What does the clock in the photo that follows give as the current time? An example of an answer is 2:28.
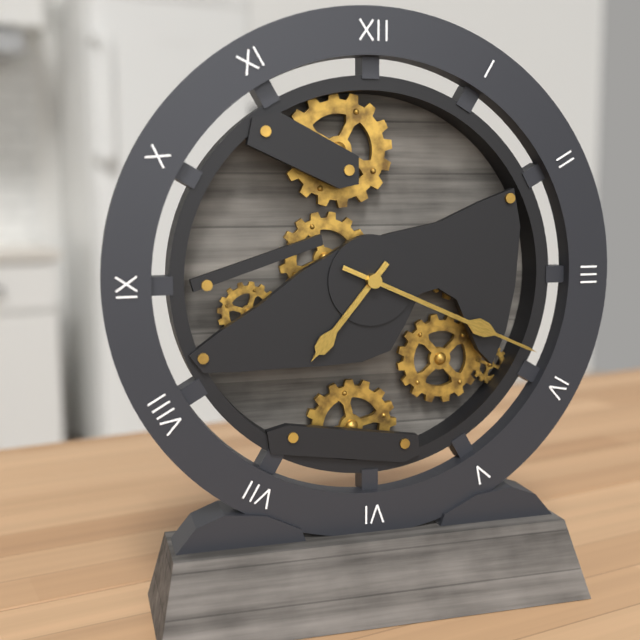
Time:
7:19
